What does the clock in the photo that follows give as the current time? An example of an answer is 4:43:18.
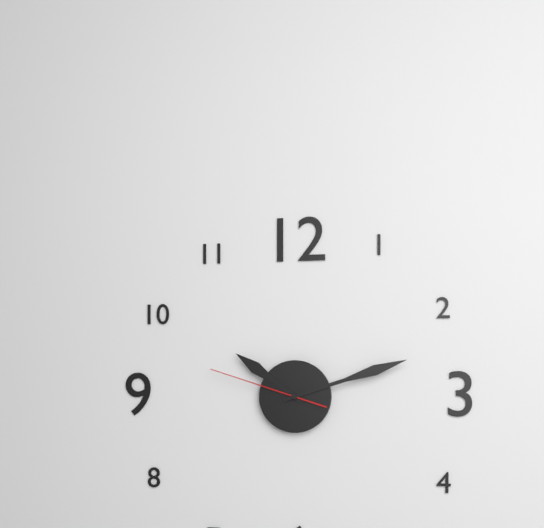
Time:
10:12:48
